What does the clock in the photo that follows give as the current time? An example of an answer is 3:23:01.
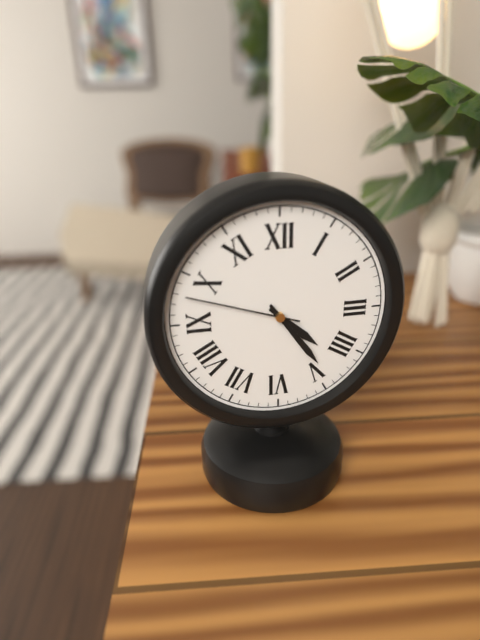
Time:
4:24:48
